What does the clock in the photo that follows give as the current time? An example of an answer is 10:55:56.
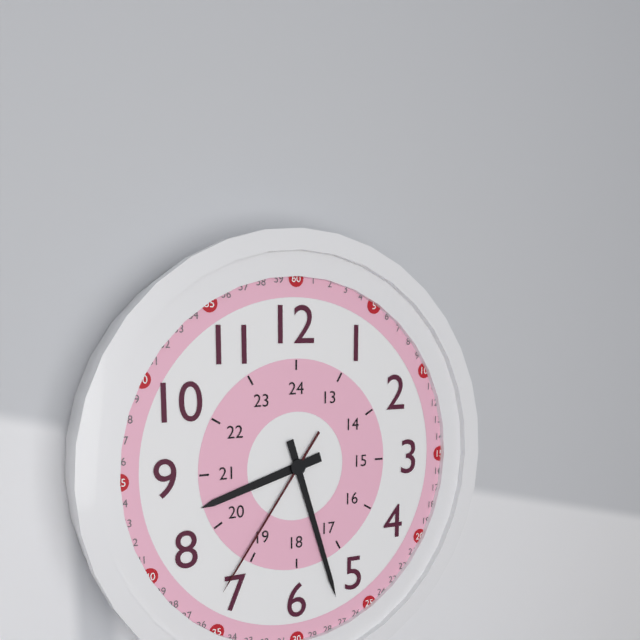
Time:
8:27:36
